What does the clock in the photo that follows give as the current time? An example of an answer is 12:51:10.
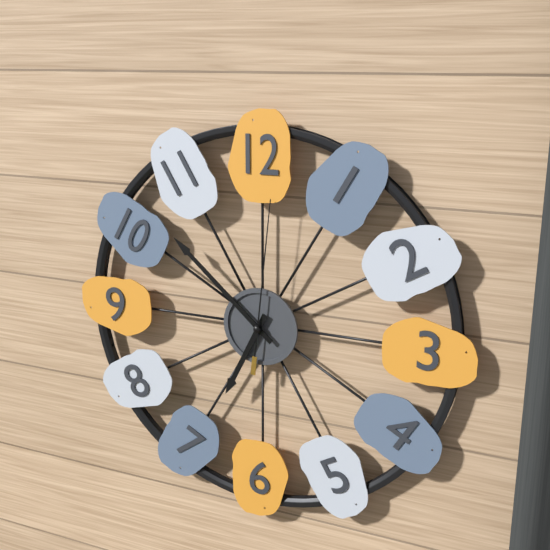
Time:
6:52:01
